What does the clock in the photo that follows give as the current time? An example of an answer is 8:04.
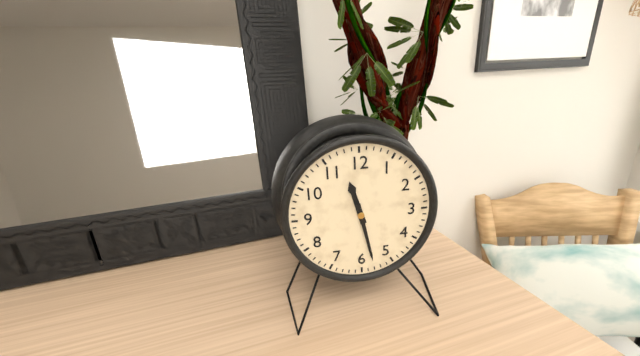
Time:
11:28
